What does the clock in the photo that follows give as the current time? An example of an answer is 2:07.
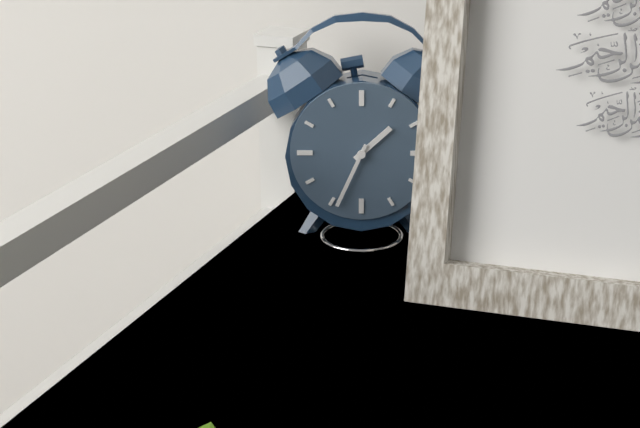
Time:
1:34
